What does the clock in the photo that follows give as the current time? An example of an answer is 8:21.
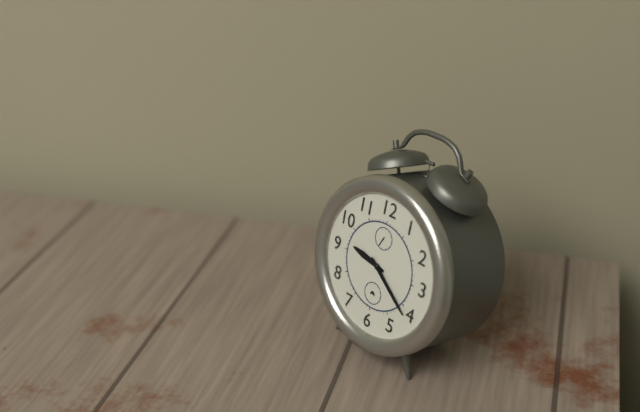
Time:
9:21
